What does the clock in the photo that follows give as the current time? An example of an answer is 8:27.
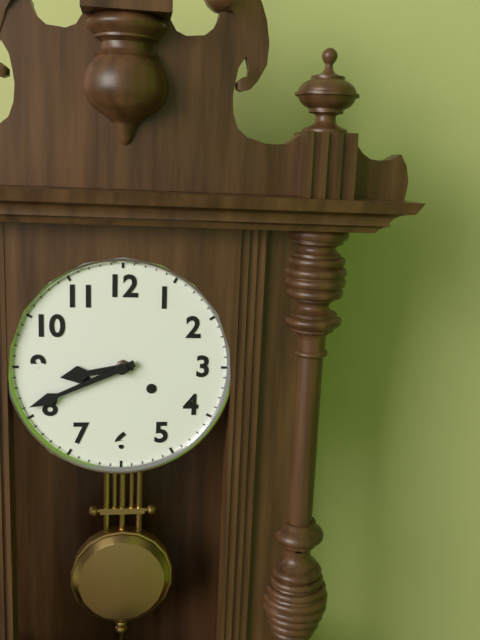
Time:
8:41
